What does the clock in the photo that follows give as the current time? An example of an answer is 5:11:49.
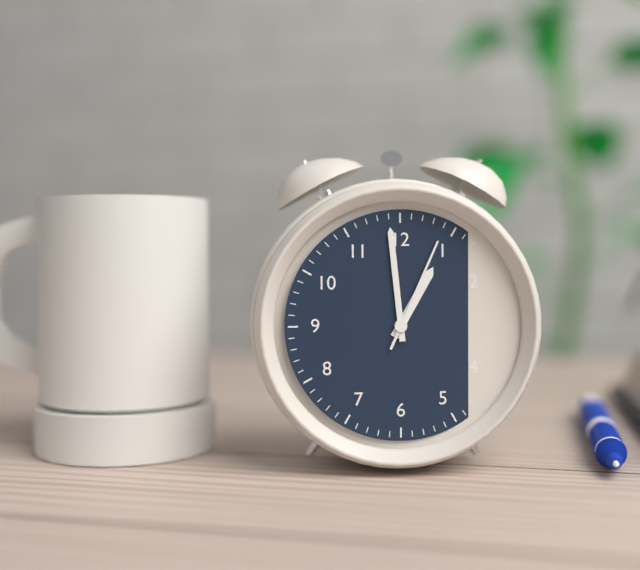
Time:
12:59:04
